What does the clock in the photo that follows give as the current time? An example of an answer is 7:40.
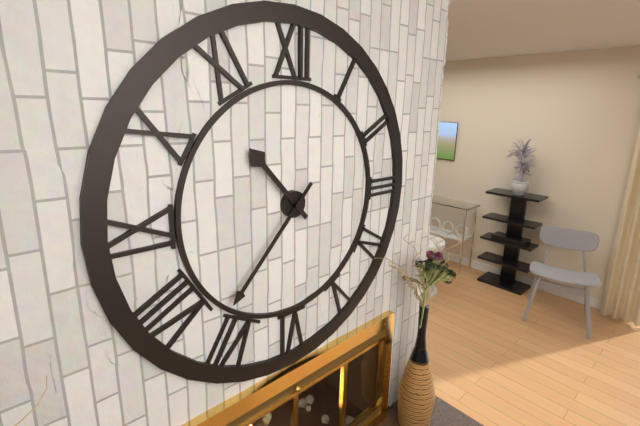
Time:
10:37
